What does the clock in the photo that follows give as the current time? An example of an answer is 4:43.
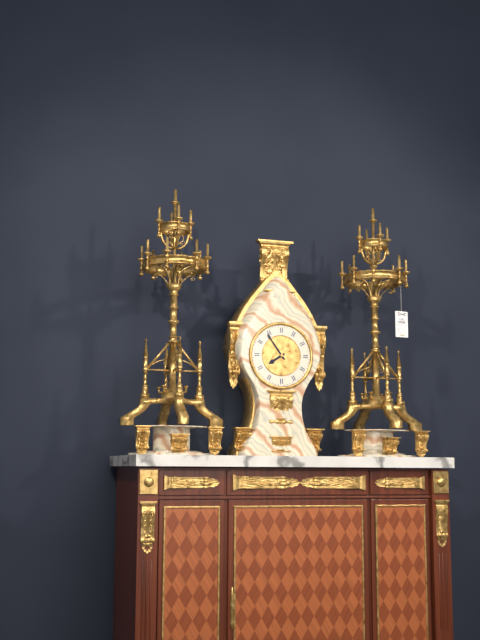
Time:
7:54
